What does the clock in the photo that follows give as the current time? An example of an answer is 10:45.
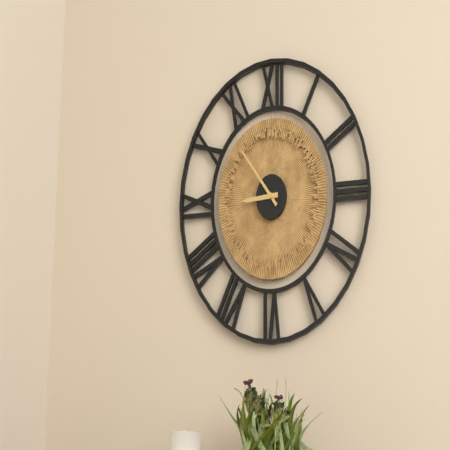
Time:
8:53
